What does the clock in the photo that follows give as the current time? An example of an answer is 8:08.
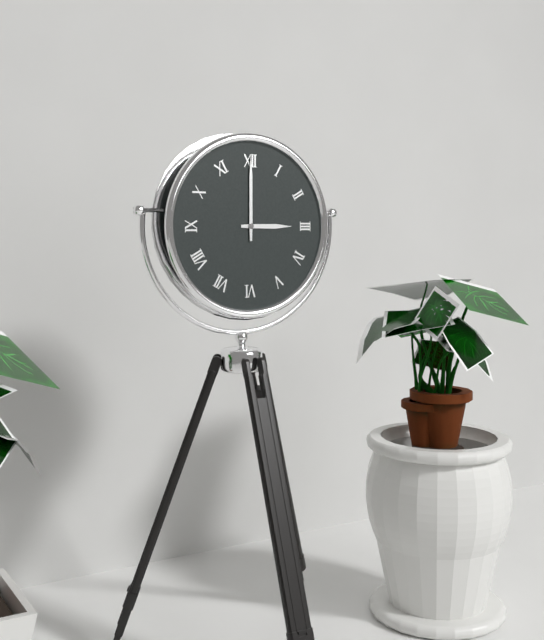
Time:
3:00
